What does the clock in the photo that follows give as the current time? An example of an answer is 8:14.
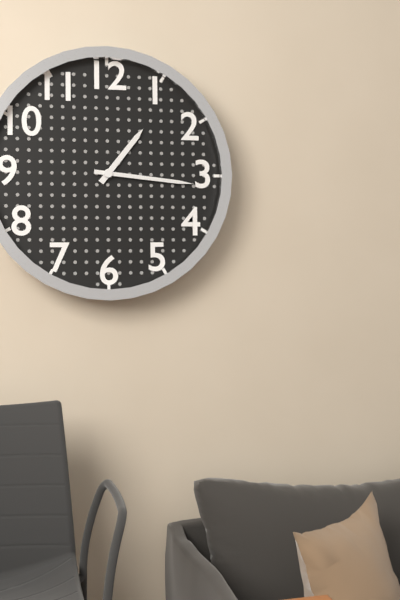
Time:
1:16
